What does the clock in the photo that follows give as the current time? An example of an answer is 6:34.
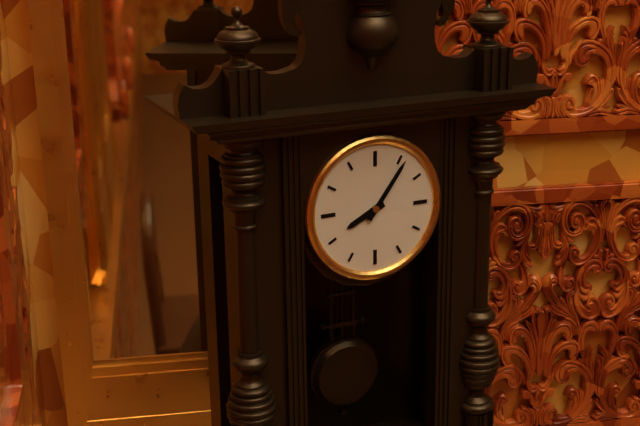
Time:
8:06
